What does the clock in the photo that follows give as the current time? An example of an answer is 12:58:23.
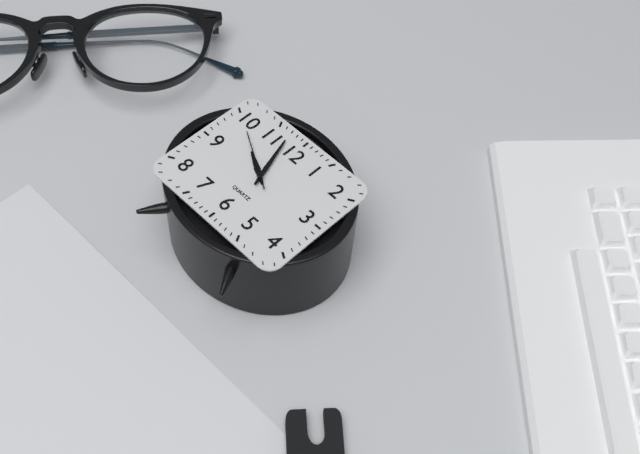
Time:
9:57:50
